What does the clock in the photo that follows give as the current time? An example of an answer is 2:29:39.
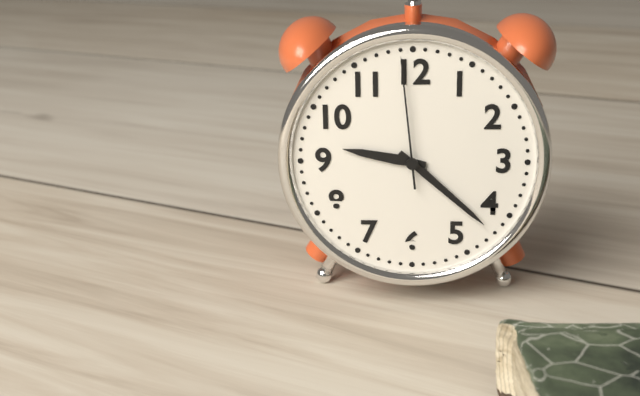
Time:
9:22:59
